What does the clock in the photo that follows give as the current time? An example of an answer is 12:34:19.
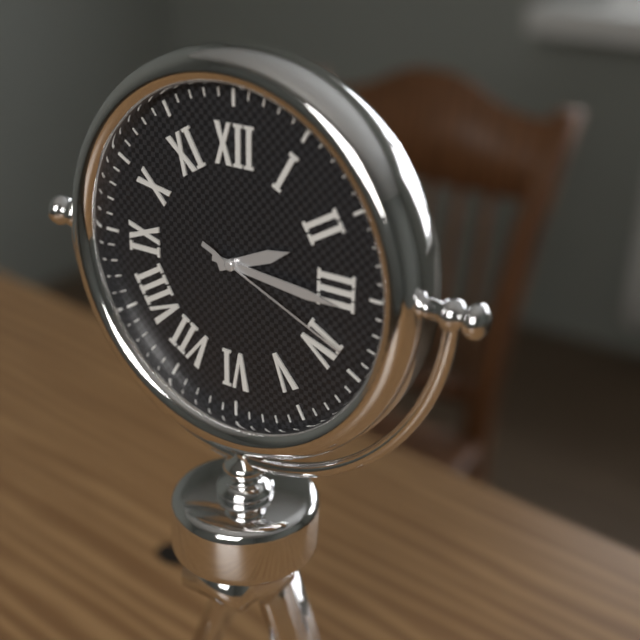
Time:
2:16:19
